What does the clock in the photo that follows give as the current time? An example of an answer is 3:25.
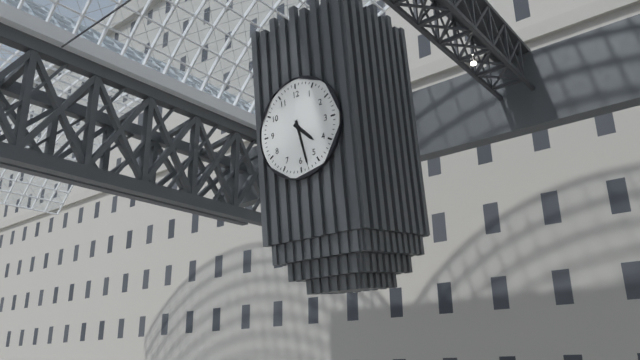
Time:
4:28
